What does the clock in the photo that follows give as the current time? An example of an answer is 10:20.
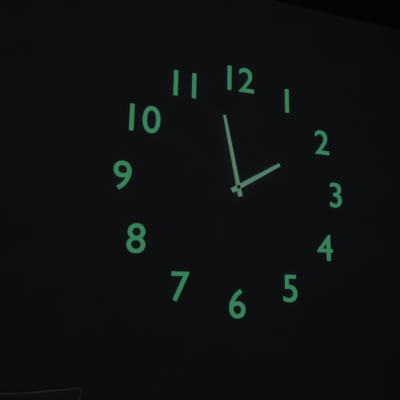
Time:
1:58
